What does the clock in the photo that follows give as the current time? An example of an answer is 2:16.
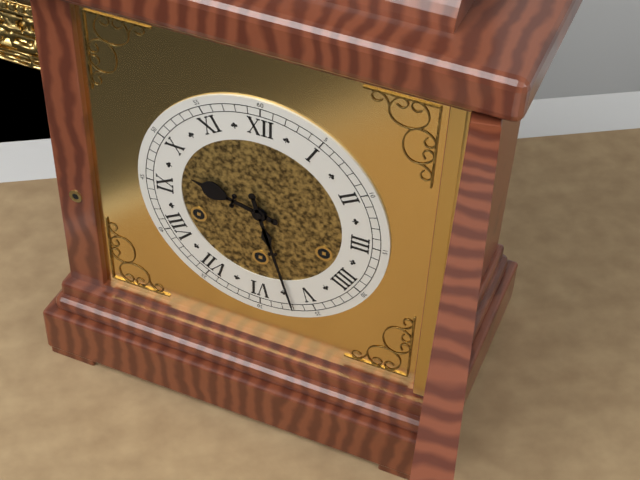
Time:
9:27
